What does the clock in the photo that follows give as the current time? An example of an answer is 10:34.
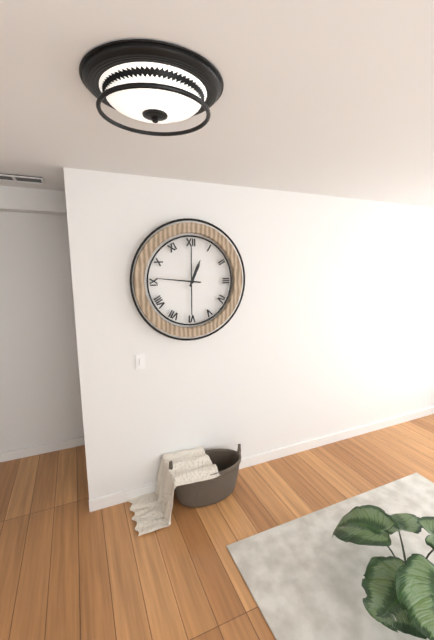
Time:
12:46
